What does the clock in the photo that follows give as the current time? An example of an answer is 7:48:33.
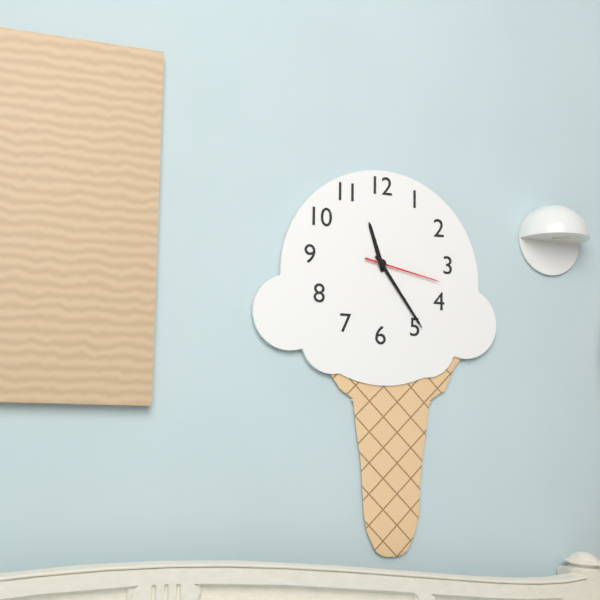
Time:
11:24:17
